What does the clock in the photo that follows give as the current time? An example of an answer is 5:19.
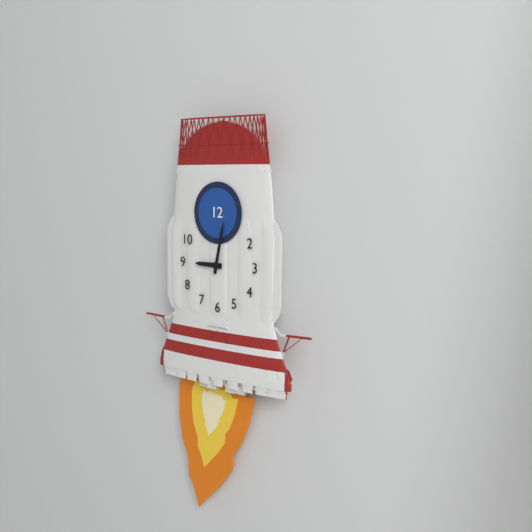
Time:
9:02
